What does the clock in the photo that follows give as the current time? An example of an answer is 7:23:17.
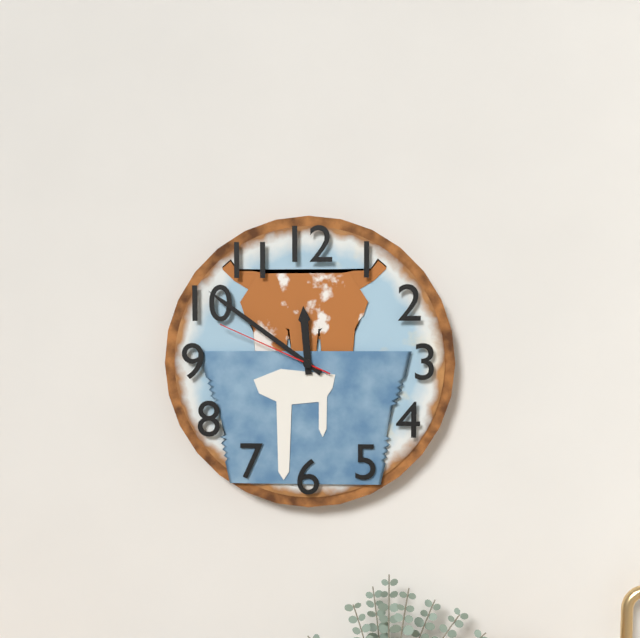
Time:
11:51:49
